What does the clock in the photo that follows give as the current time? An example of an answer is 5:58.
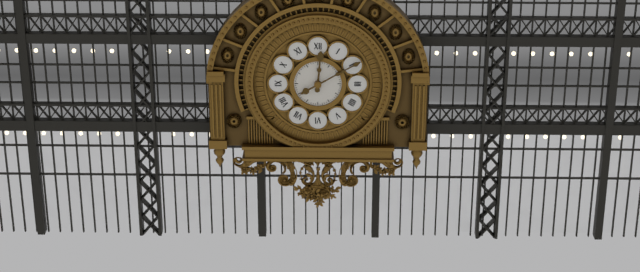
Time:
12:10
